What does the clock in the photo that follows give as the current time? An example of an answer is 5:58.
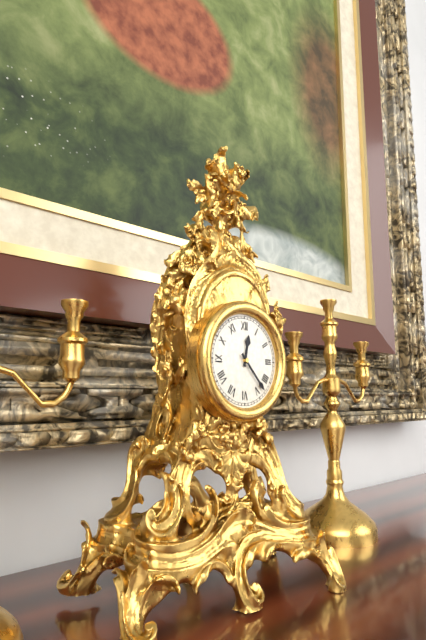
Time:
12:23
